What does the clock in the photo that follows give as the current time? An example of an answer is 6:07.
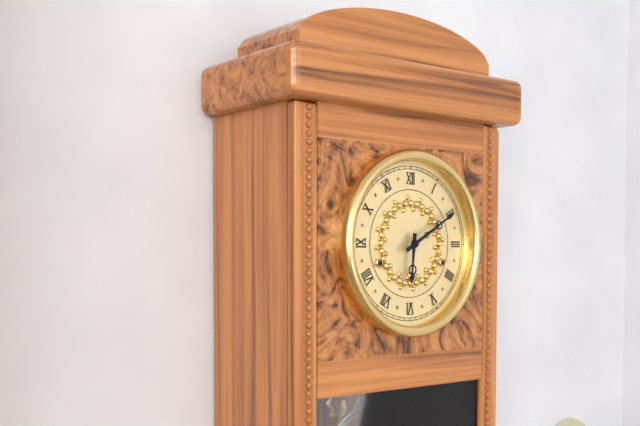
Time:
6:10
